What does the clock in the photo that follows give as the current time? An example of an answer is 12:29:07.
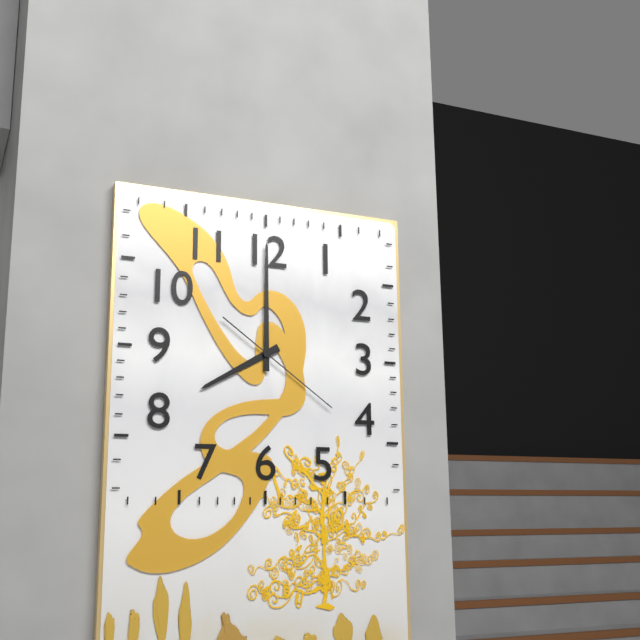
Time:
8:00:21
